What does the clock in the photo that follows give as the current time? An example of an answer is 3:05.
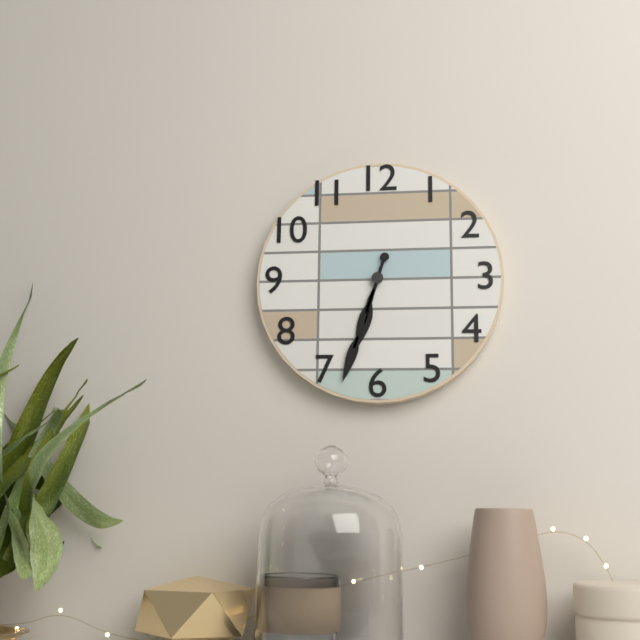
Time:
6:33
